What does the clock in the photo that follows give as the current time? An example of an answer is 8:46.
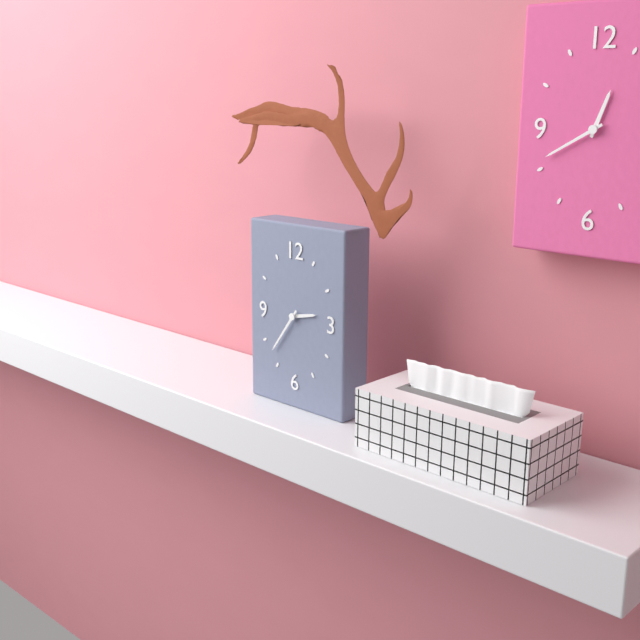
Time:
2:36
